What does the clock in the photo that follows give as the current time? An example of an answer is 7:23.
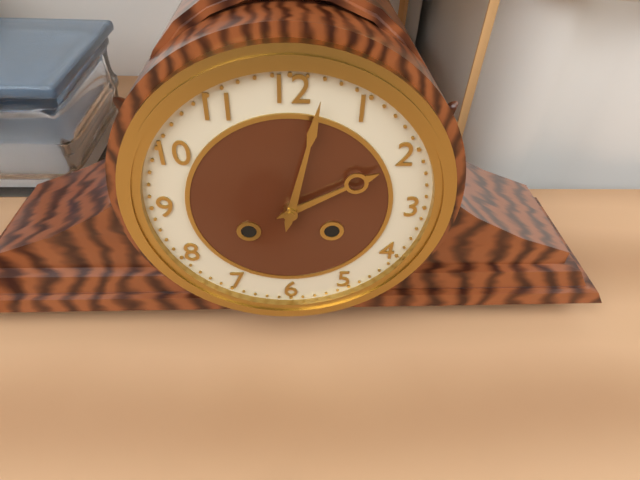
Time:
2:02
